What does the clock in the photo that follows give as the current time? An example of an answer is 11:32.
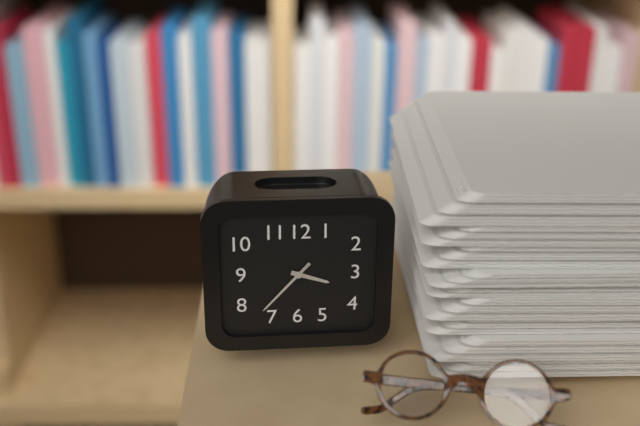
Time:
3:37
